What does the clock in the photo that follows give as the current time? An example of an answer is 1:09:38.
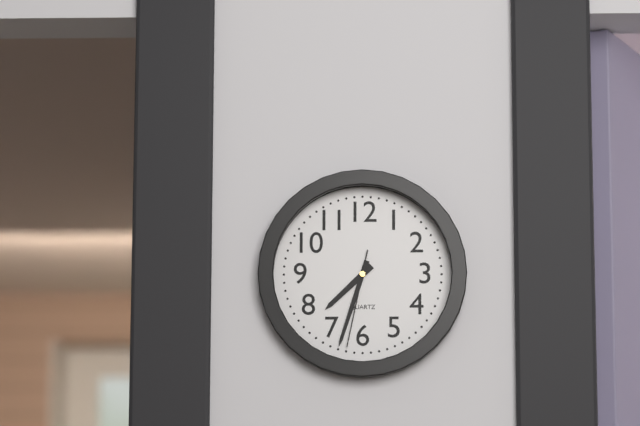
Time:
7:33:32
